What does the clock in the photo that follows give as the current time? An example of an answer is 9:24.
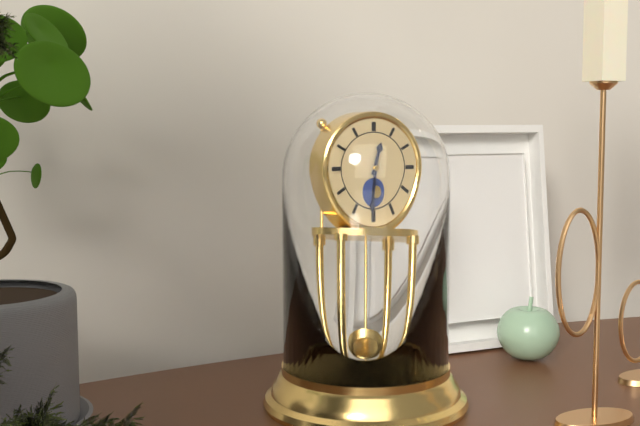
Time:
12:31
